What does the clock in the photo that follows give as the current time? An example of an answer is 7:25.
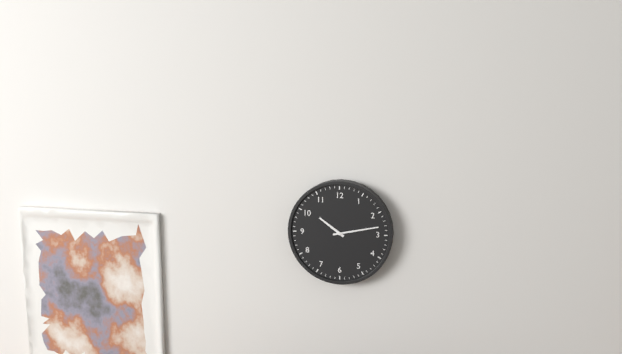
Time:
10:13
